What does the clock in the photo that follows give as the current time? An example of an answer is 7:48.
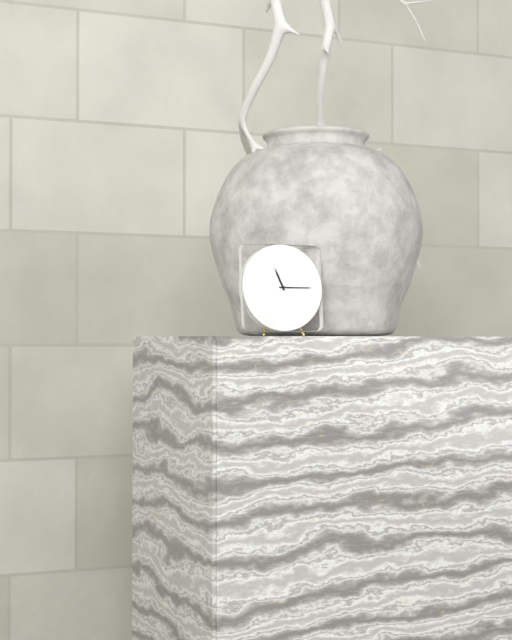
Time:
11:15
